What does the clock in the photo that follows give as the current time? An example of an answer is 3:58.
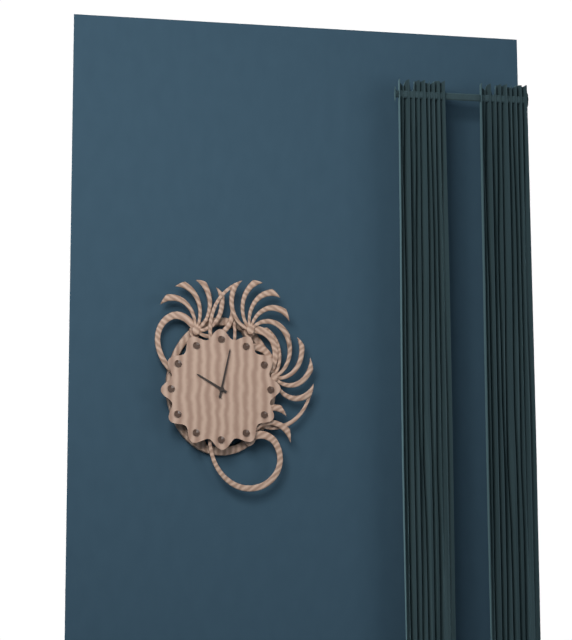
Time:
10:02
